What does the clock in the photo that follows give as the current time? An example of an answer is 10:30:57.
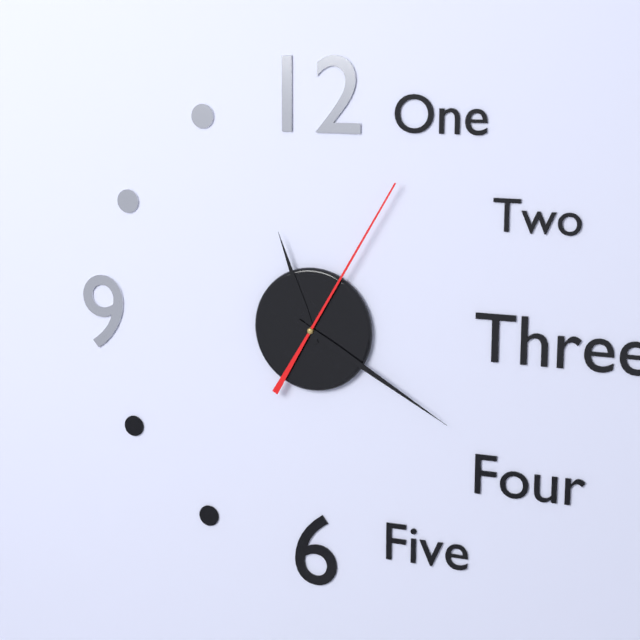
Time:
11:20:05
